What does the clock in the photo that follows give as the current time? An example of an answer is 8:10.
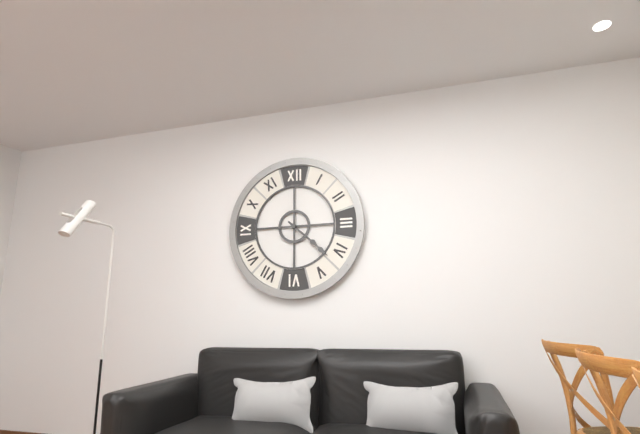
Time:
4:22
